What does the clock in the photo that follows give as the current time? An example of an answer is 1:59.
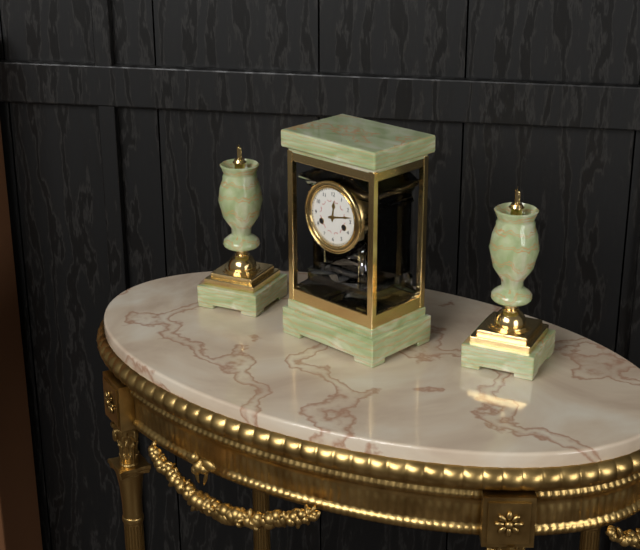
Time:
12:13
